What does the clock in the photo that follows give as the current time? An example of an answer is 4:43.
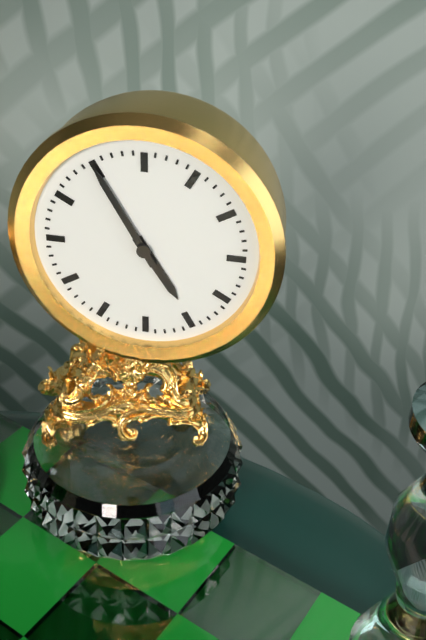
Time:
4:55
